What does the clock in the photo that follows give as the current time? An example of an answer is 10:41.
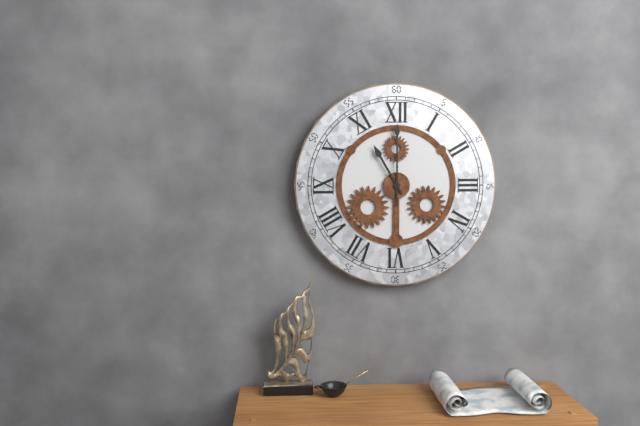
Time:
11:00
